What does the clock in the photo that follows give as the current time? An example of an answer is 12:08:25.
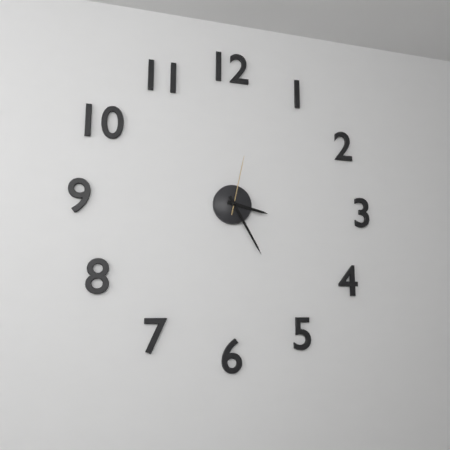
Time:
3:25:02
